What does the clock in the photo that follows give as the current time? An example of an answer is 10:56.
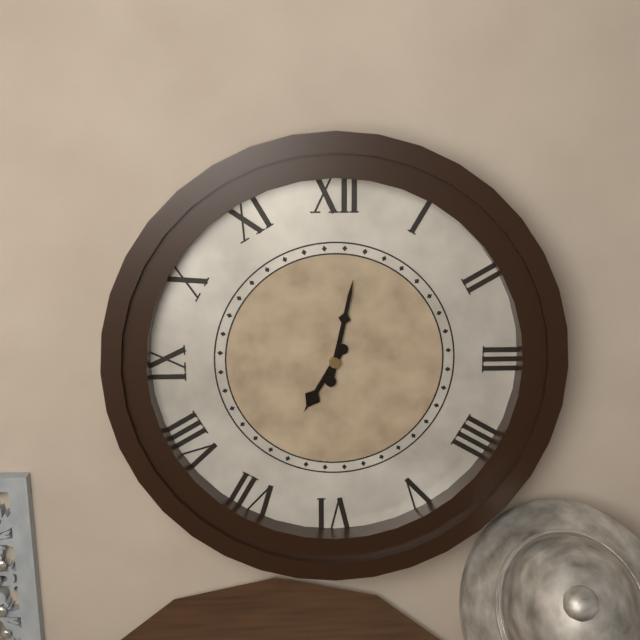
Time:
7:02
